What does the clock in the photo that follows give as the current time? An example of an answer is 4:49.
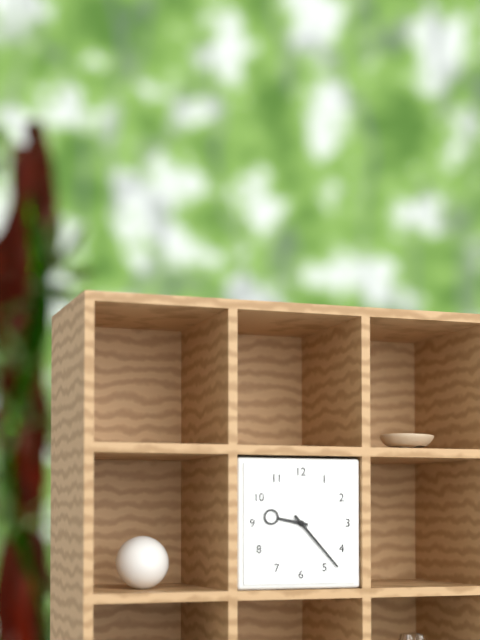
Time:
9:23
